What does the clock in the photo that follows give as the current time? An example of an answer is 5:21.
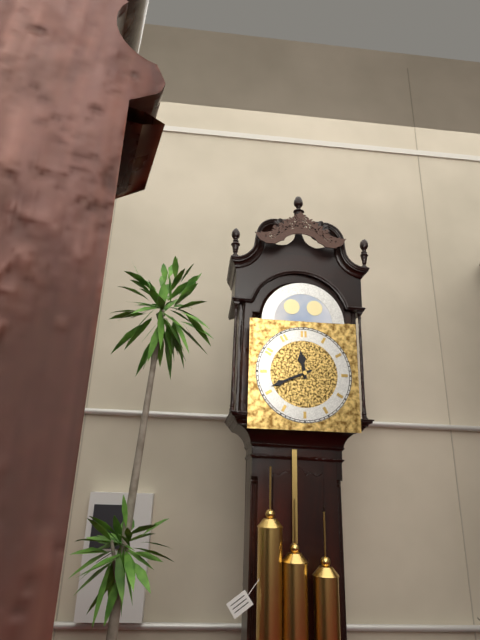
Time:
11:41
